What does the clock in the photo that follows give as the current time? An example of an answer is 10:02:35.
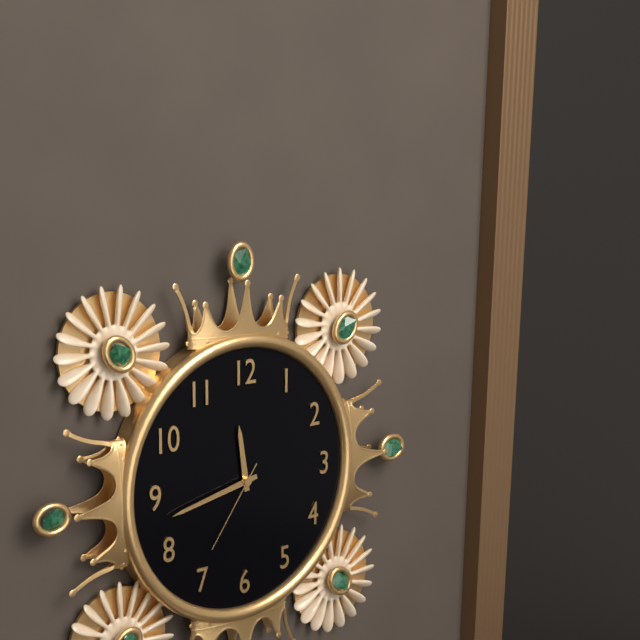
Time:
11:43:36
